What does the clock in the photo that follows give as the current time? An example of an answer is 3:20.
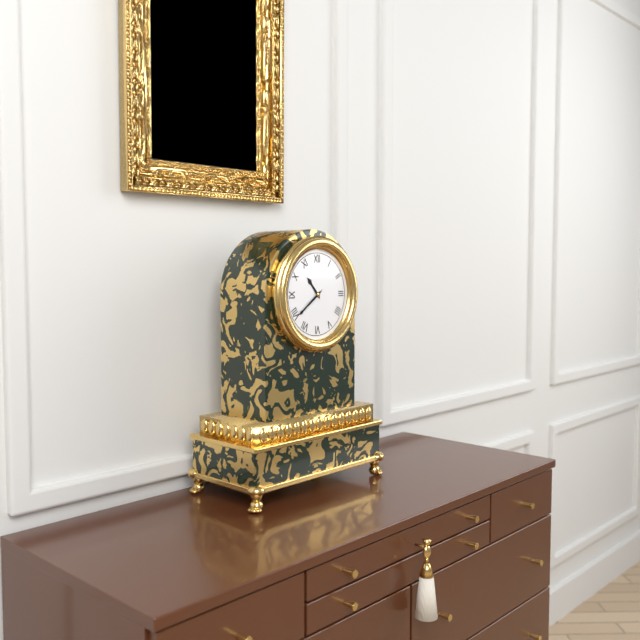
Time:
10:39
